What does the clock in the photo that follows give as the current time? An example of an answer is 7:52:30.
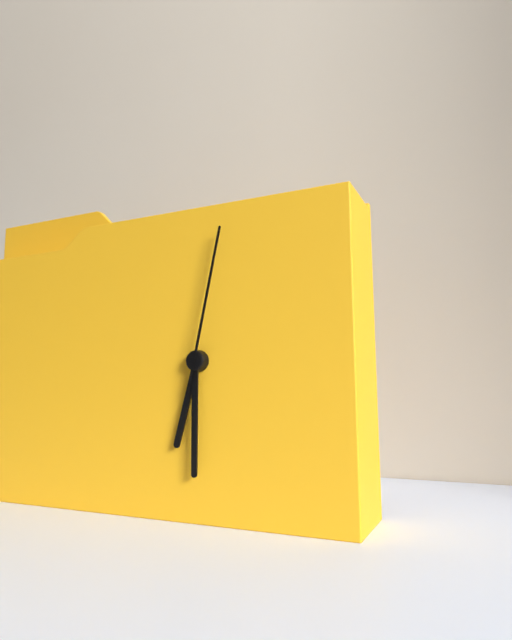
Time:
6:30:02
